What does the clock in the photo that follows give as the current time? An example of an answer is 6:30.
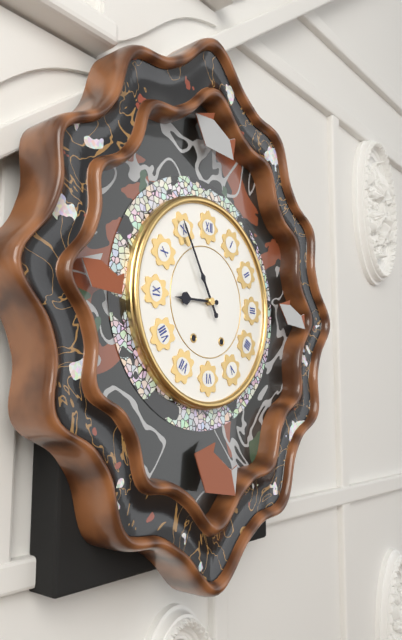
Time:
8:55
